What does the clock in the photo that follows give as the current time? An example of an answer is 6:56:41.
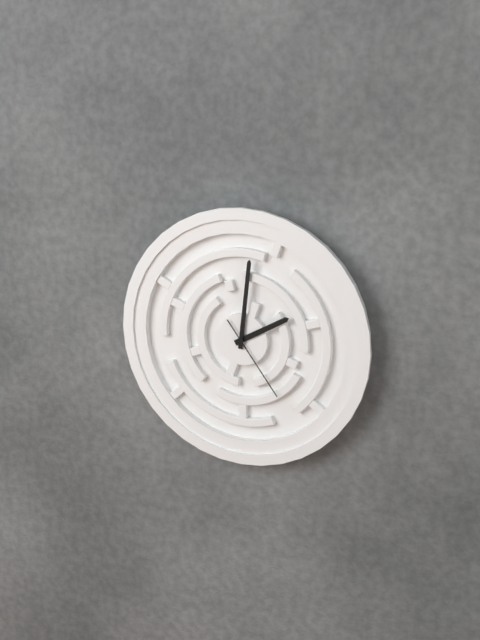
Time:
2:01:24
